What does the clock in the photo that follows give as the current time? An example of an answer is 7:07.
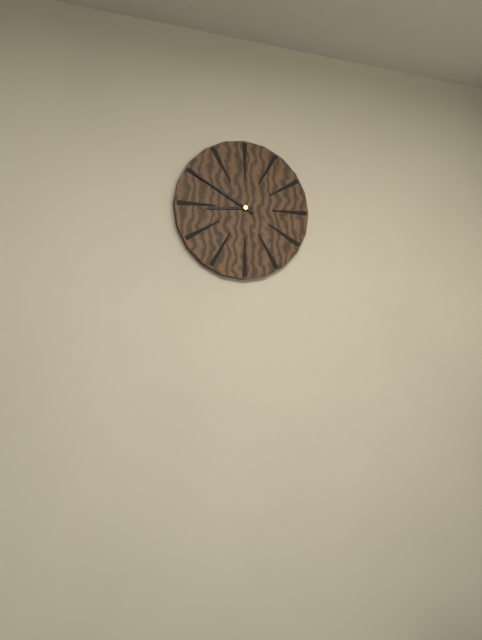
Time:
8:50
